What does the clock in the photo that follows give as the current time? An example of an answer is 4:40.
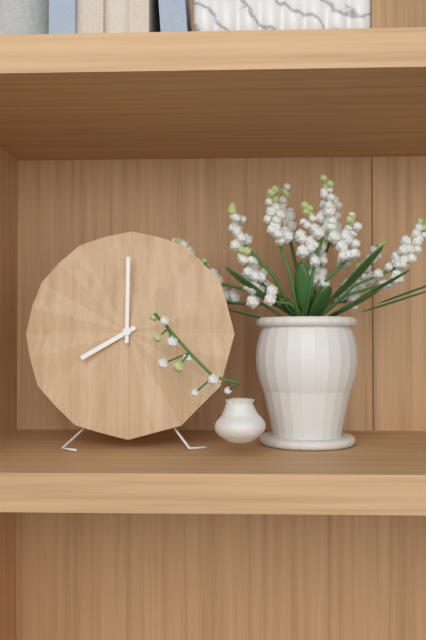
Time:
8:00
